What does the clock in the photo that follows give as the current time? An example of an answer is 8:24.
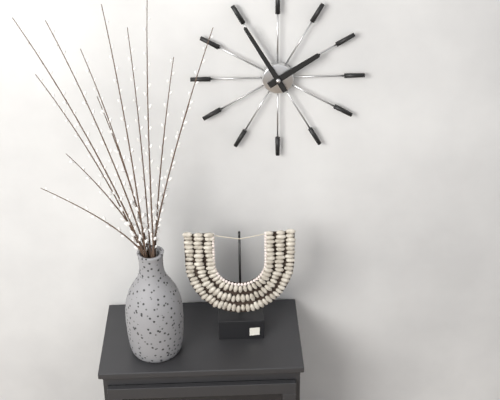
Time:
1:55
